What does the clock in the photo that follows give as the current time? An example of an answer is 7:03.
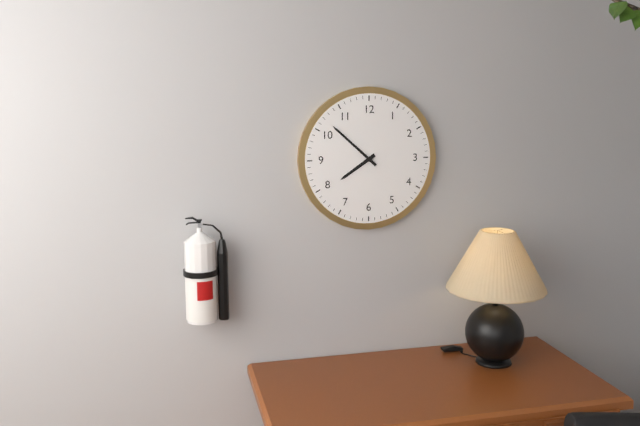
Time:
7:52
